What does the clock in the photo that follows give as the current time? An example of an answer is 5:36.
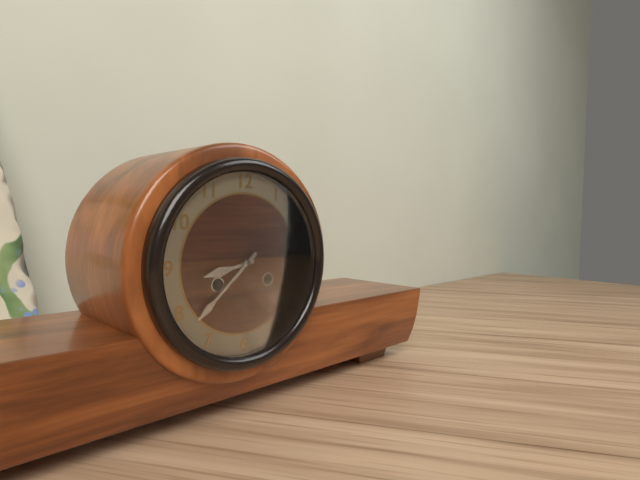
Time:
8:38
